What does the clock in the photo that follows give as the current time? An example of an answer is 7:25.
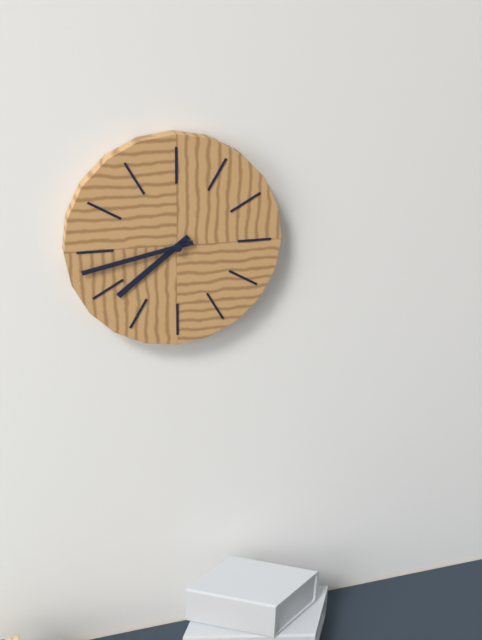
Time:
7:43
